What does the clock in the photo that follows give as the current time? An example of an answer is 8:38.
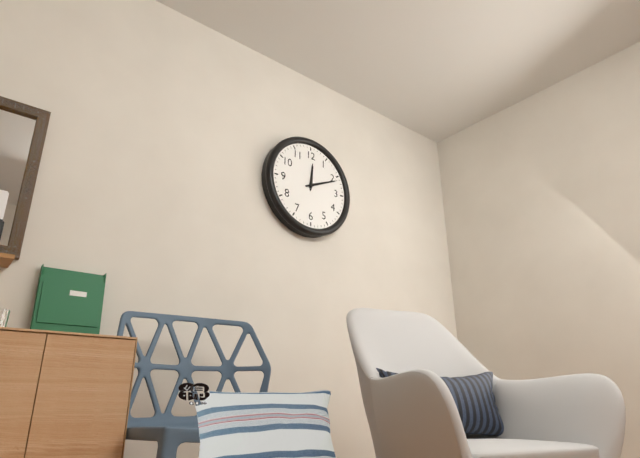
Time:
12:11
